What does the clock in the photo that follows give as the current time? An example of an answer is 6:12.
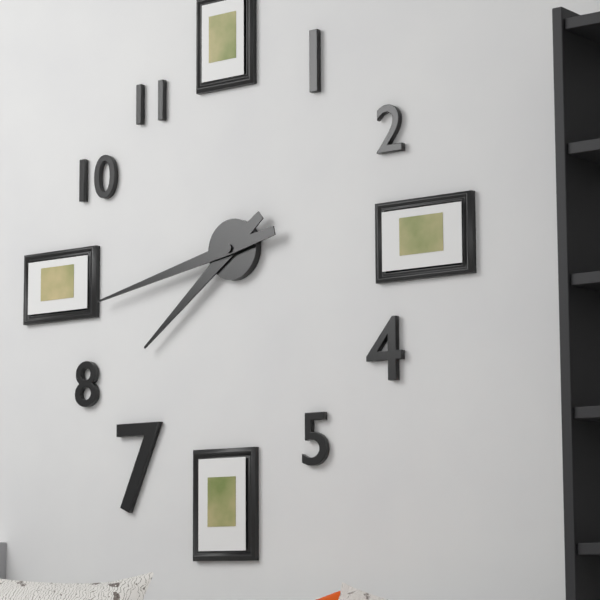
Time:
7:43
